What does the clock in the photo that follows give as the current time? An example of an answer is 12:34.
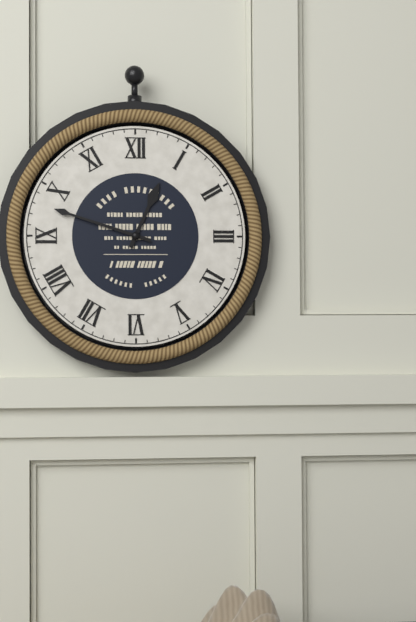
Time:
12:48
